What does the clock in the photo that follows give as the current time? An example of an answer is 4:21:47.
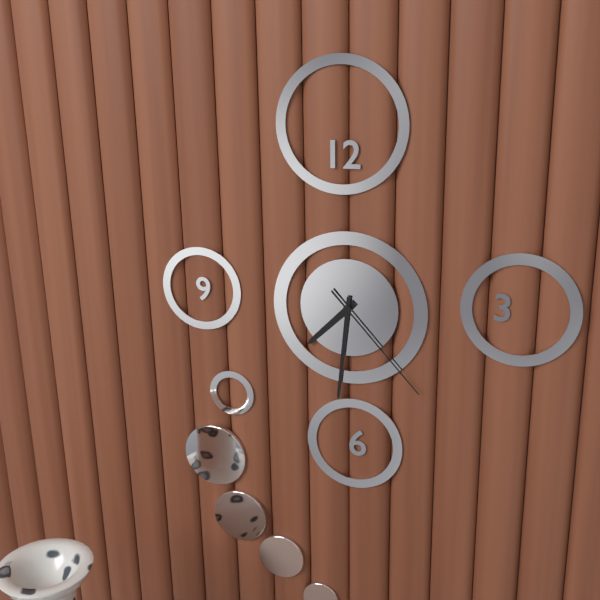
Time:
7:31:23
